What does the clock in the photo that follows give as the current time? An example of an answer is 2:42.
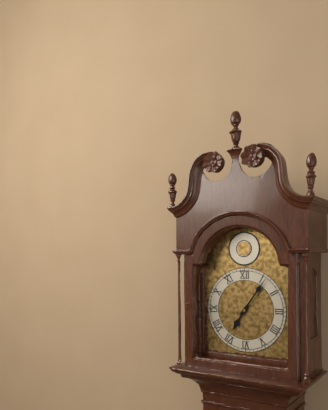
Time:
7:06
